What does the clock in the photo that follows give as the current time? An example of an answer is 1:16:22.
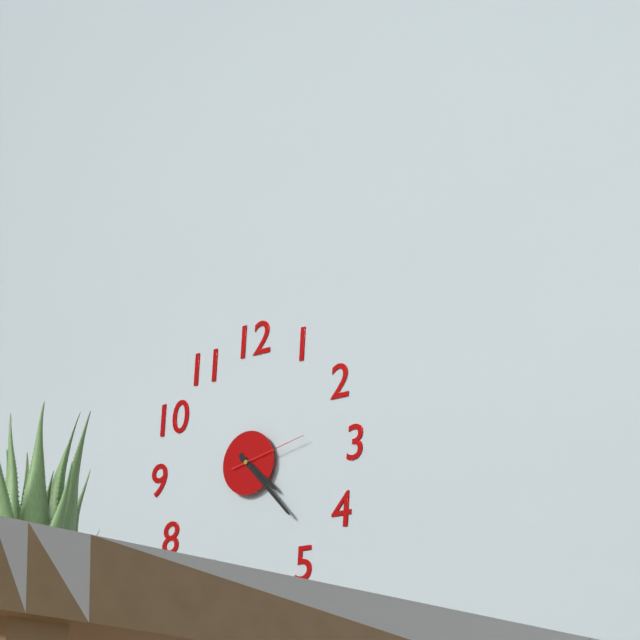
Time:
4:23:13
